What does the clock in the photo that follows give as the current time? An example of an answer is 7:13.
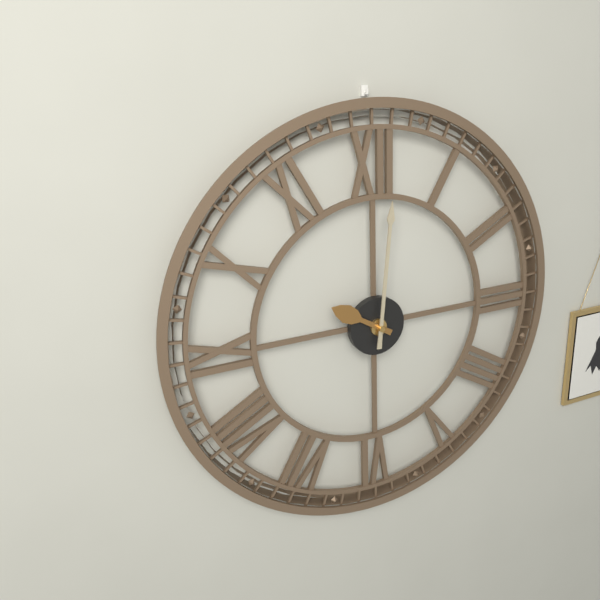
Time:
10:01
